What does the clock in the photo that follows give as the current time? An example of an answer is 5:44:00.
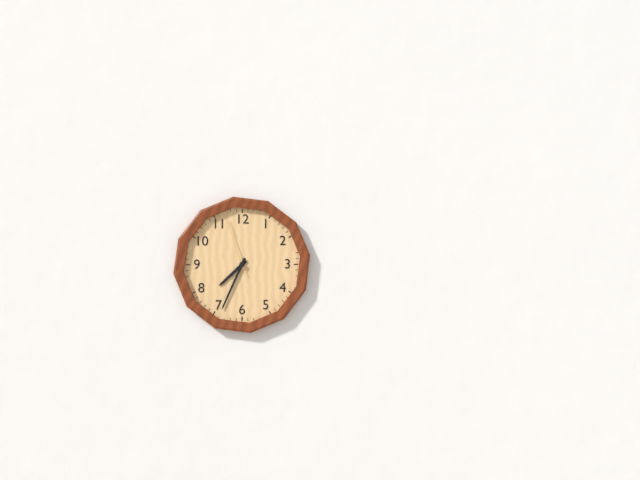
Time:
7:34:57
